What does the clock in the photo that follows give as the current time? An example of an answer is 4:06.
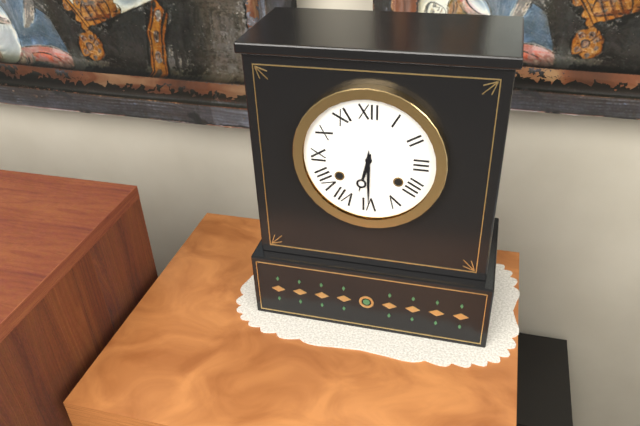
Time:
6:30
